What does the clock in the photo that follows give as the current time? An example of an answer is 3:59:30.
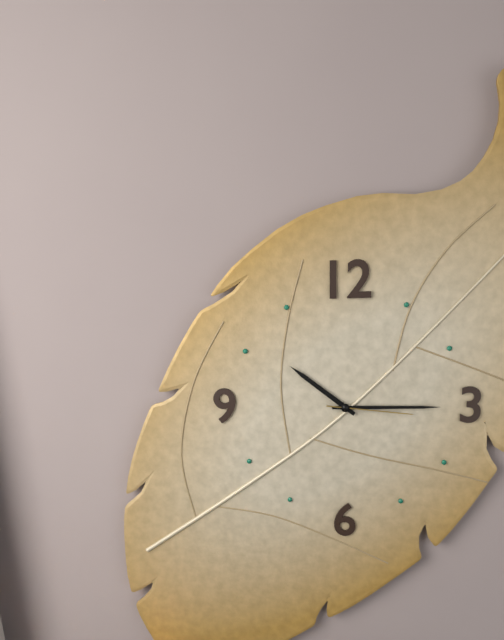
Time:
10:15:16
